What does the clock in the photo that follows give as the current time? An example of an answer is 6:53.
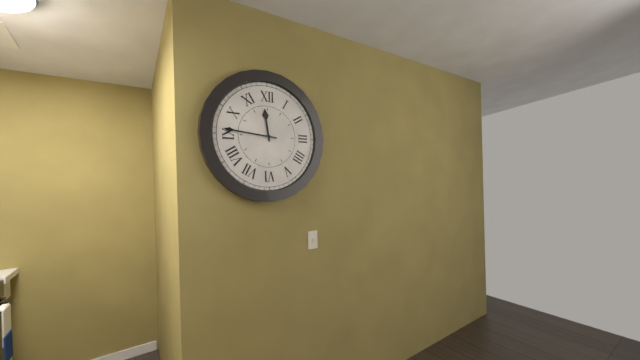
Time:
11:46
